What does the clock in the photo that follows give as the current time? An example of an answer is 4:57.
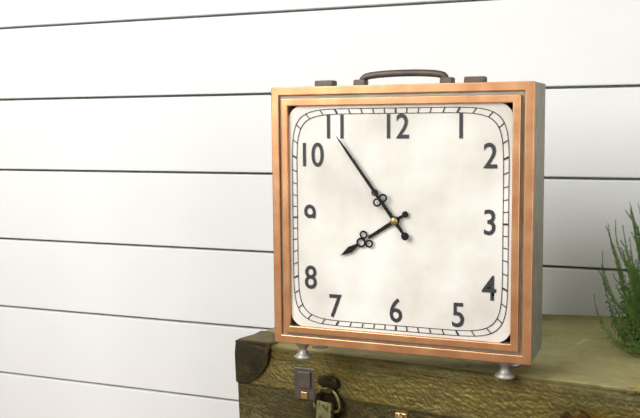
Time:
7:54
